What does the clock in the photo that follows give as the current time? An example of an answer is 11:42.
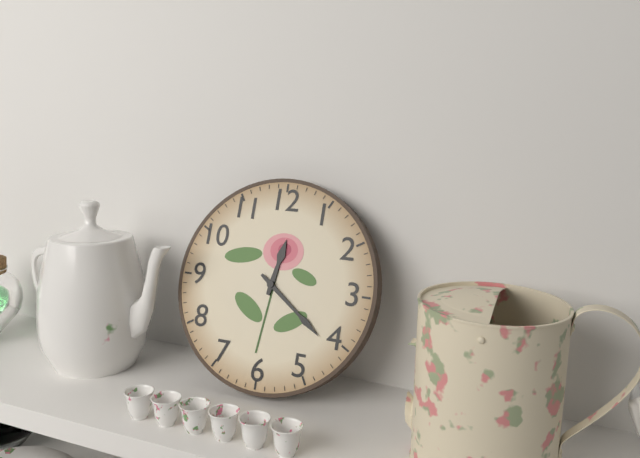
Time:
12:21
